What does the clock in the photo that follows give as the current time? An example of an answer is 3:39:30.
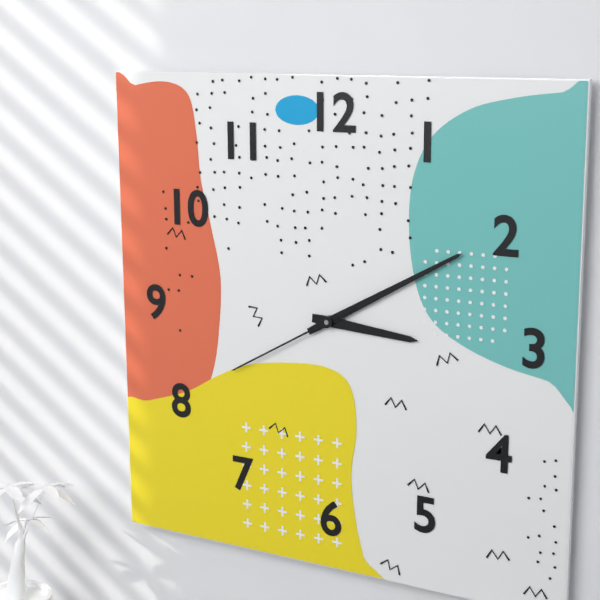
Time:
3:10:40
